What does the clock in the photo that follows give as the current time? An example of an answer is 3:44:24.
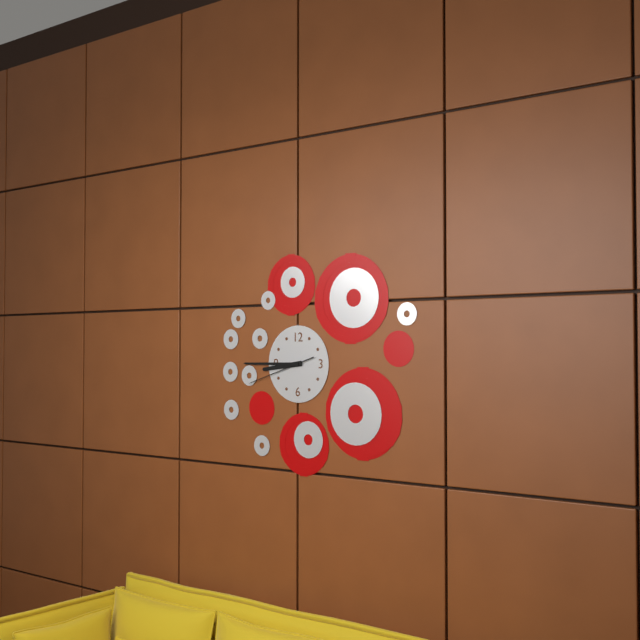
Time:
8:45:42
